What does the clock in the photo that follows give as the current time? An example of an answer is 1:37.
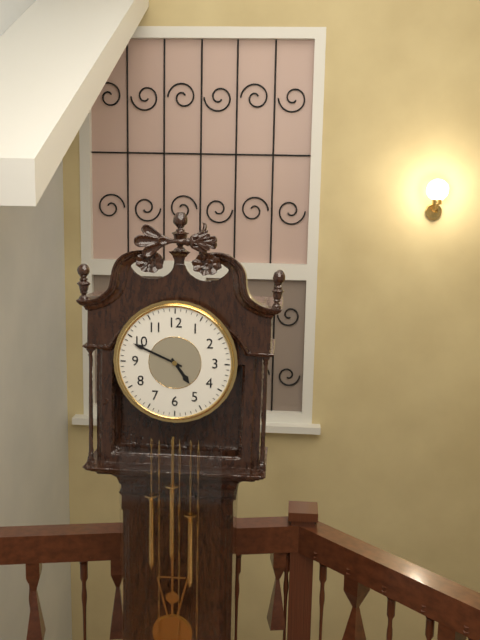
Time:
4:49
